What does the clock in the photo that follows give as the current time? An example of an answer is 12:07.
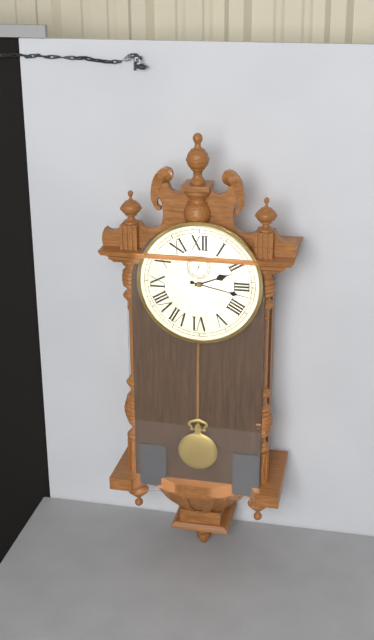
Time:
2:17
